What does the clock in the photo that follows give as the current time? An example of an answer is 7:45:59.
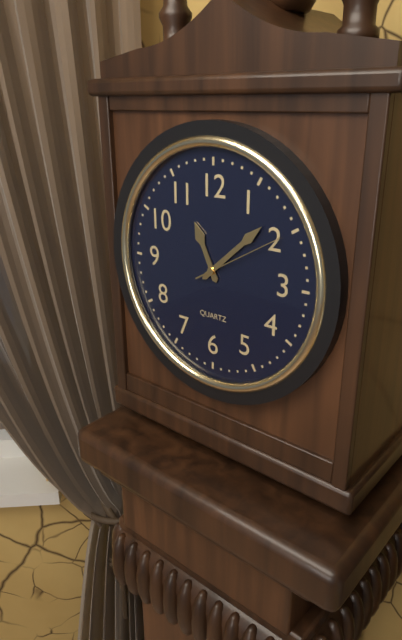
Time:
11:08:10
